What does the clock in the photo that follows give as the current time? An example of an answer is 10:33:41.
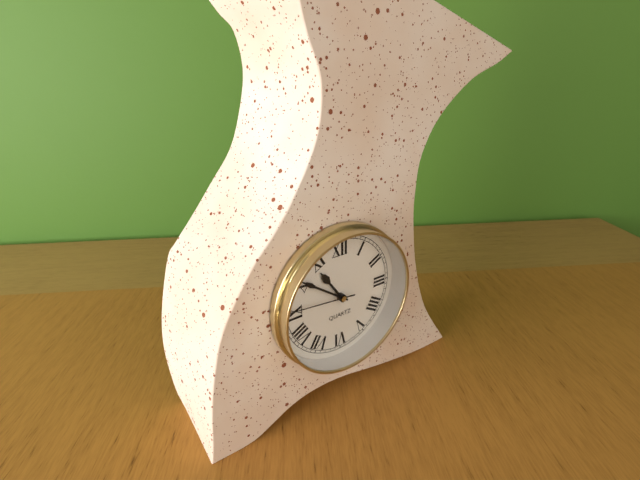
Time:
10:51:46
